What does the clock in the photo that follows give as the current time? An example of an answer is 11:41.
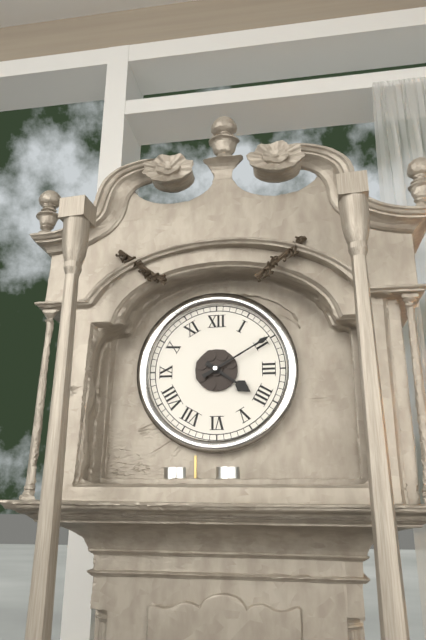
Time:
4:10
